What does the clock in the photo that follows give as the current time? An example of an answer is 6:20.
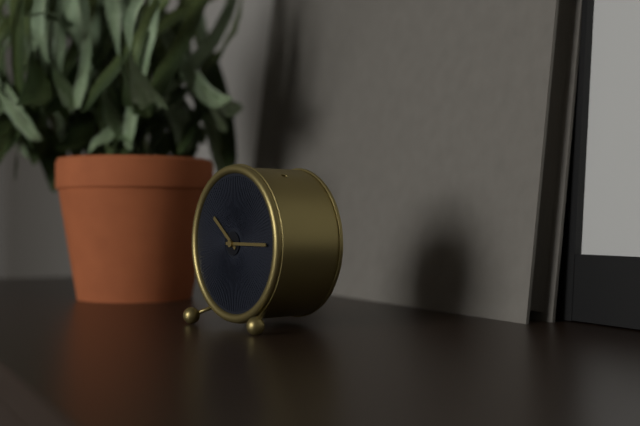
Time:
10:15
